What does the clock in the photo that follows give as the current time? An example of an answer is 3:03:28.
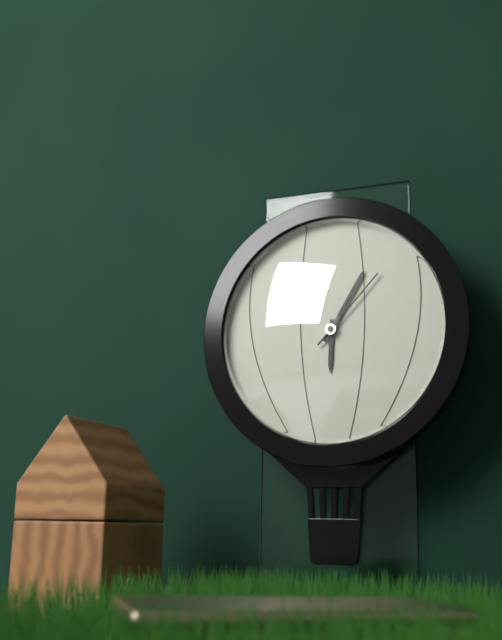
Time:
6:05:07
